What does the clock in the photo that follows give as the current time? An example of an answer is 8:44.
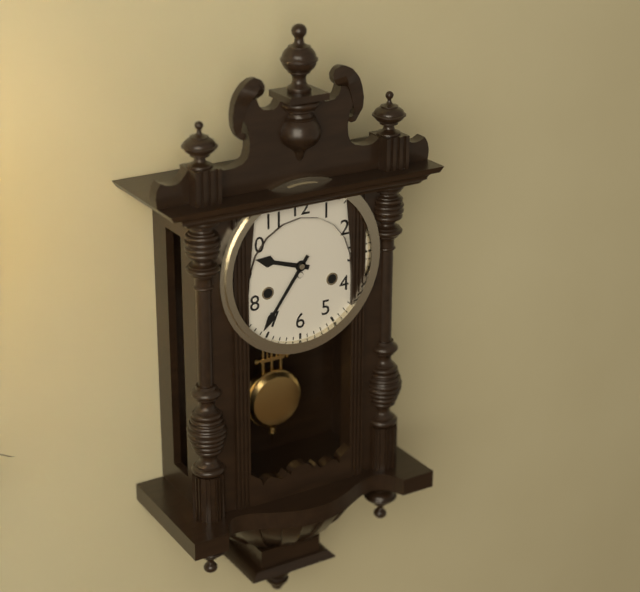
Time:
9:36
